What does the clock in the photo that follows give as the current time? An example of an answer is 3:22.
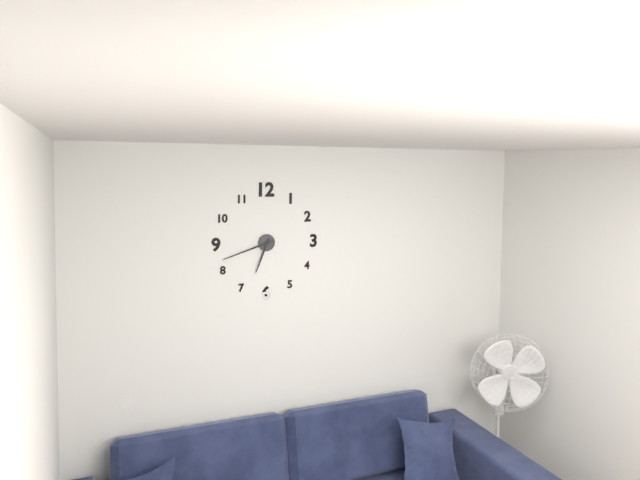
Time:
6:42
